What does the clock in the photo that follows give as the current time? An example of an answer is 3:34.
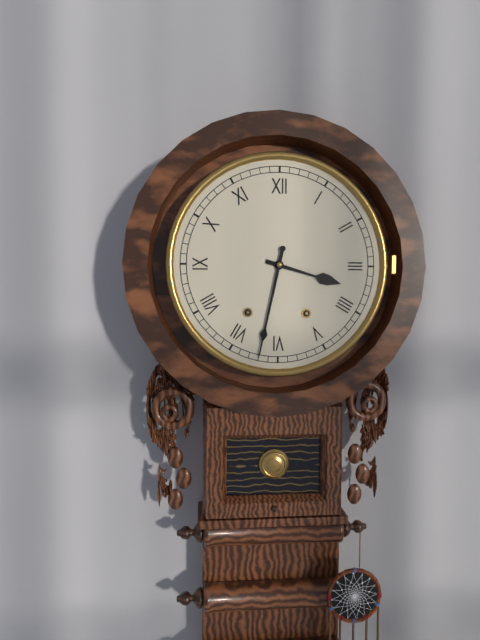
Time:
3:32
